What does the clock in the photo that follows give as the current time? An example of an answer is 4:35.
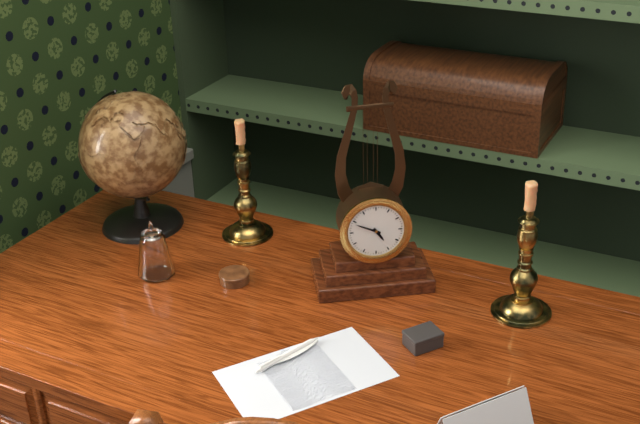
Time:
4:49
